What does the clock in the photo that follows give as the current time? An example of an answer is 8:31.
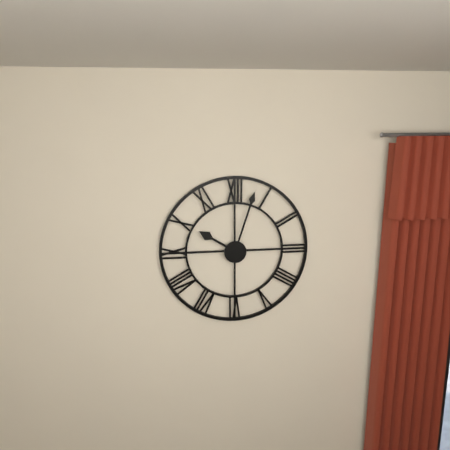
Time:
10:03
